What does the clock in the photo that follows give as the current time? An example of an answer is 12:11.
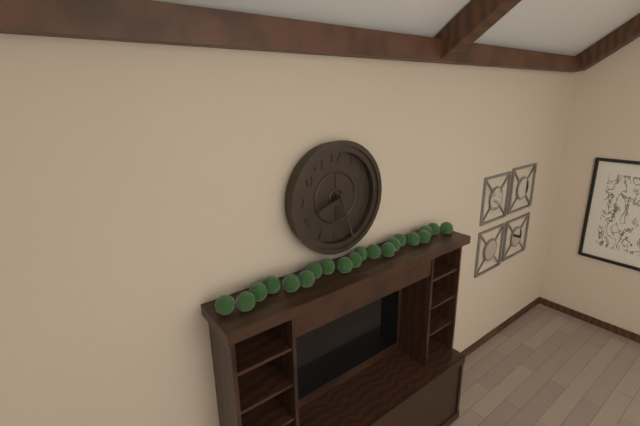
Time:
8:27
